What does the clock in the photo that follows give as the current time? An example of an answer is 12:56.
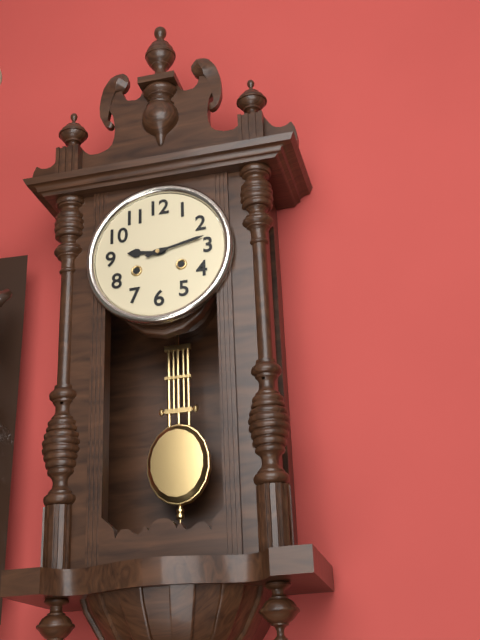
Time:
9:13
